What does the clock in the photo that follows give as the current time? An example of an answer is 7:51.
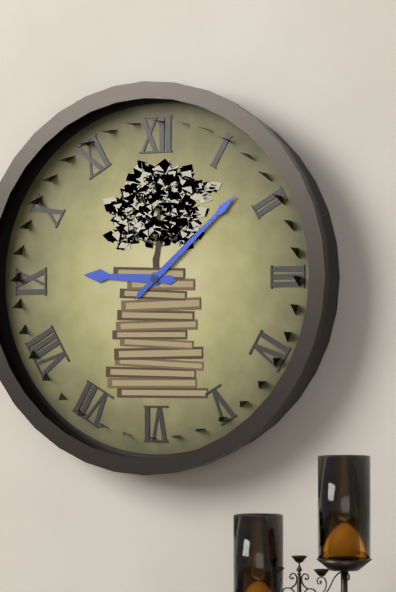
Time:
9:08
